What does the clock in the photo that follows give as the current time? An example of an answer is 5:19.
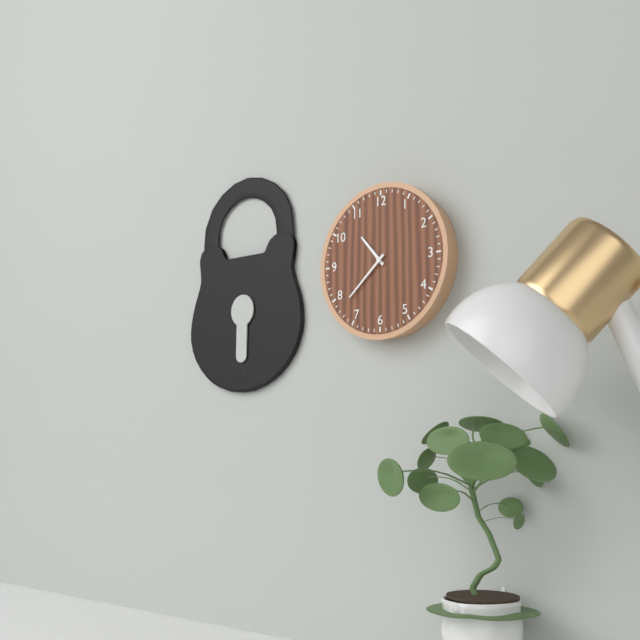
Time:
10:38
